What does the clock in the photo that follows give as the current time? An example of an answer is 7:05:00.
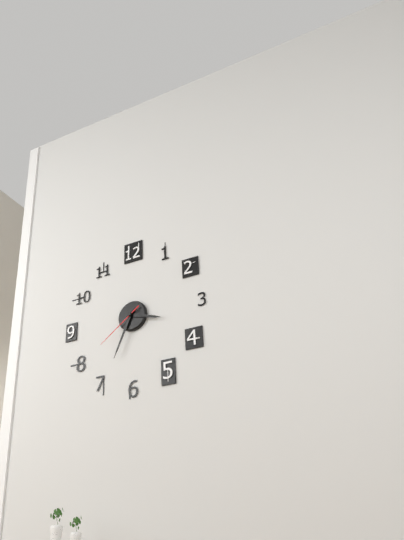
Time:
3:34:39
